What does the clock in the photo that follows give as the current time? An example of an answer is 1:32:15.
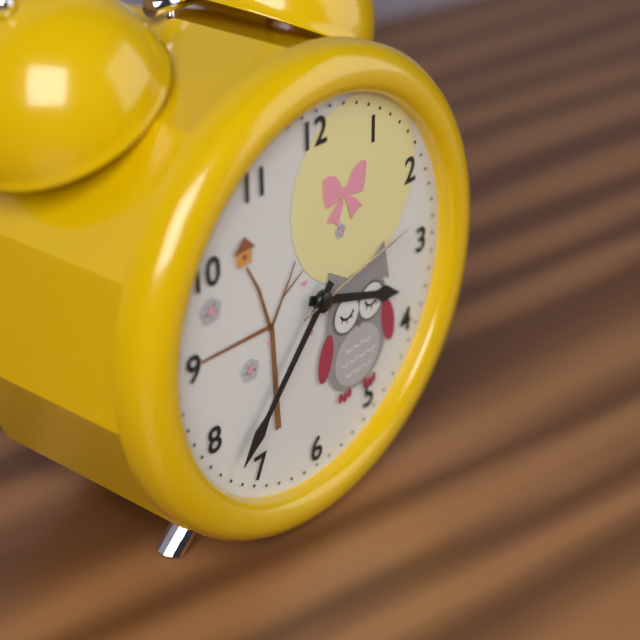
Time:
3:37:13
